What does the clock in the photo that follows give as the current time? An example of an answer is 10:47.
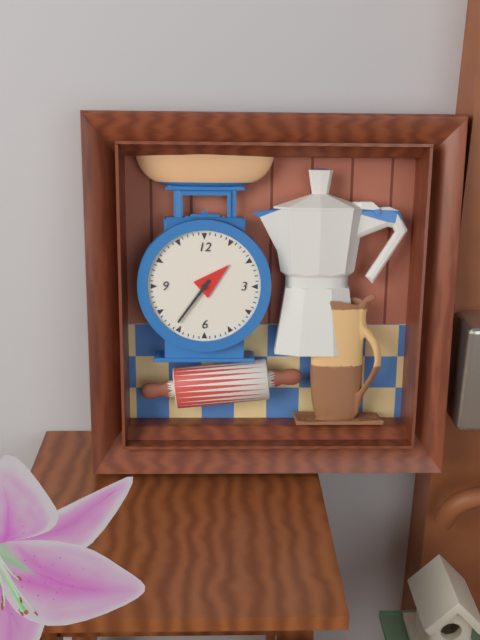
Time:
1:36
